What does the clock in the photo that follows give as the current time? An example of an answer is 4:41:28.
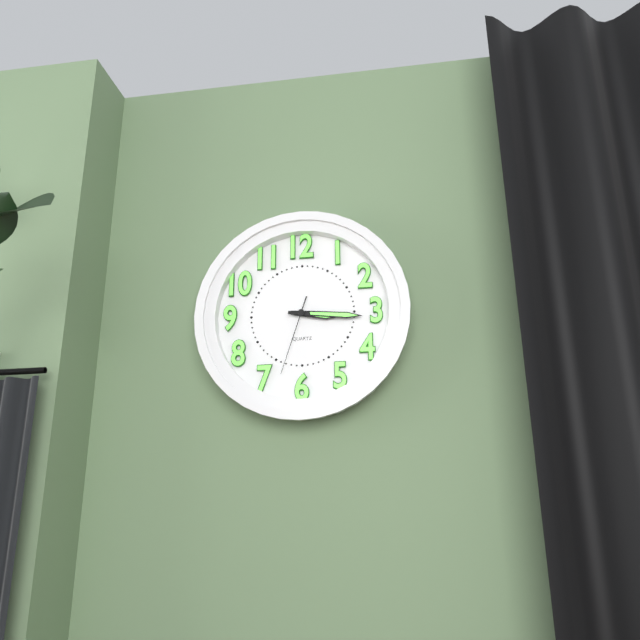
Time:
3:16:33
